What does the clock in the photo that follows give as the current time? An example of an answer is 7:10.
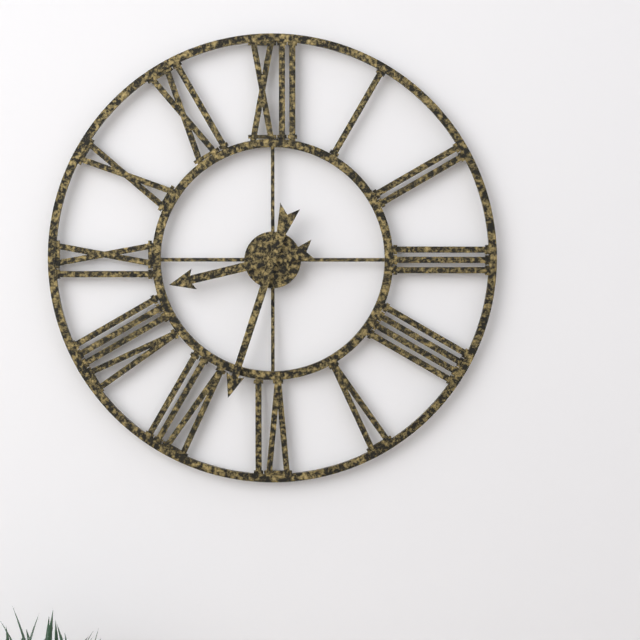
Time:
8:33
